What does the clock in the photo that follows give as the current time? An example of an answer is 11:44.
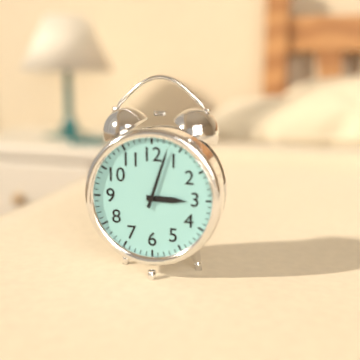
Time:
3:03
